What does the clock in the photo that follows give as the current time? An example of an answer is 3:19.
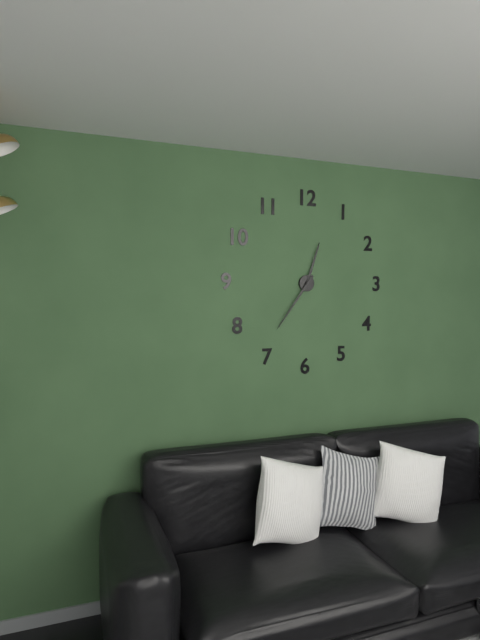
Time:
12:36
